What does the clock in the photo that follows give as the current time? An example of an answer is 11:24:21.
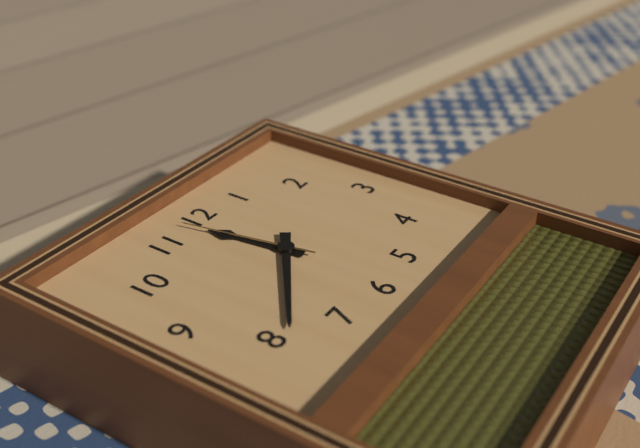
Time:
11:39:58
